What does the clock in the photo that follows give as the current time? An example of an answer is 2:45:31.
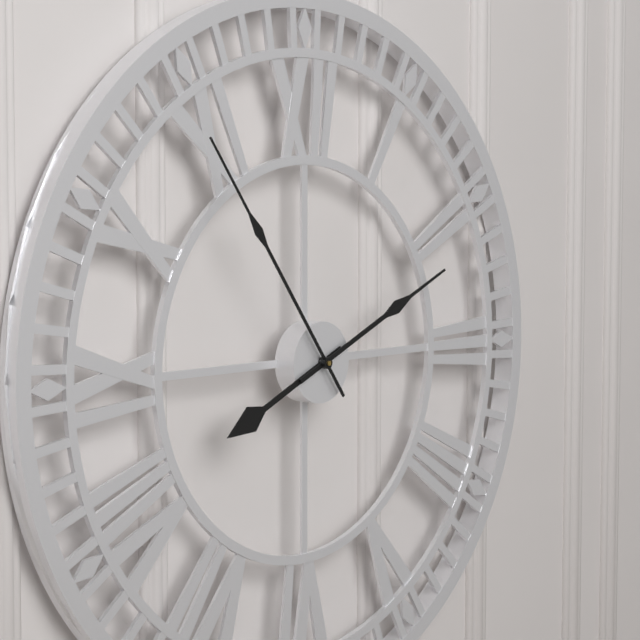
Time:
8:11:54
